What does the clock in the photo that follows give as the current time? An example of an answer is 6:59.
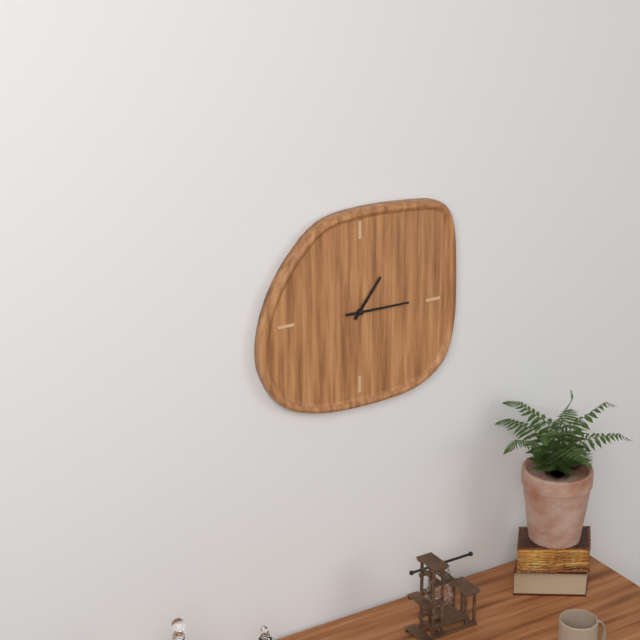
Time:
1:15
